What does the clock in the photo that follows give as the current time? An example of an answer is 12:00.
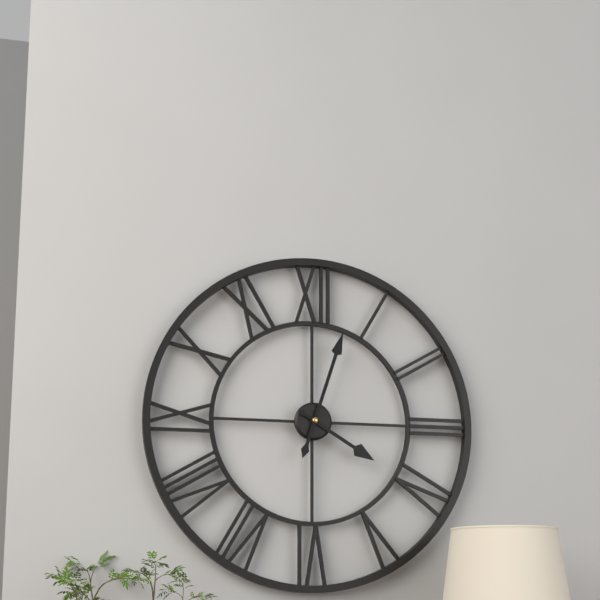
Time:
4:03
